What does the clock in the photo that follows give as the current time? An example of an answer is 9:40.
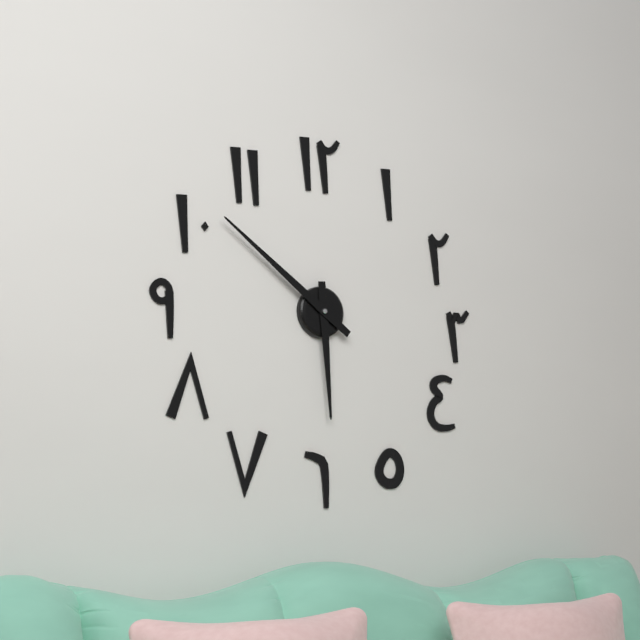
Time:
5:51
